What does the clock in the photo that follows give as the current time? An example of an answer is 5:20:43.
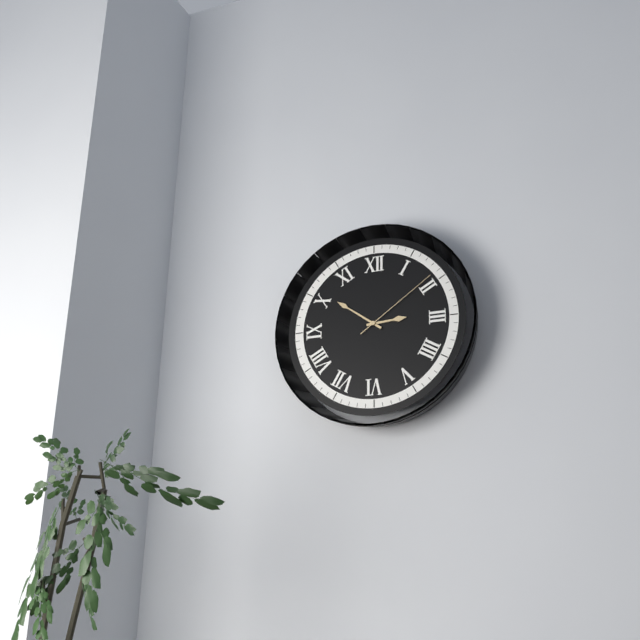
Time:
2:51:09
